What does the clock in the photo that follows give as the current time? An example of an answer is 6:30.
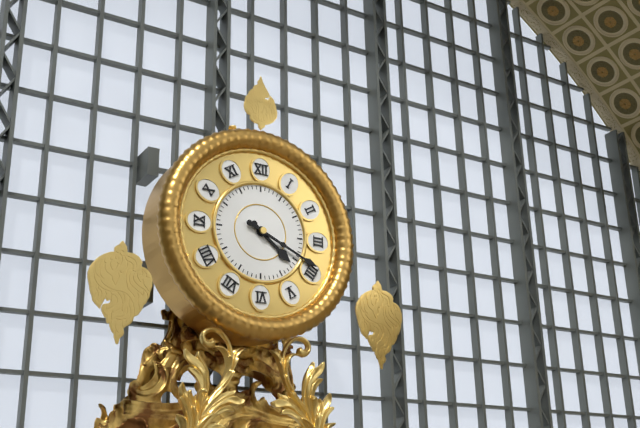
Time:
4:19
